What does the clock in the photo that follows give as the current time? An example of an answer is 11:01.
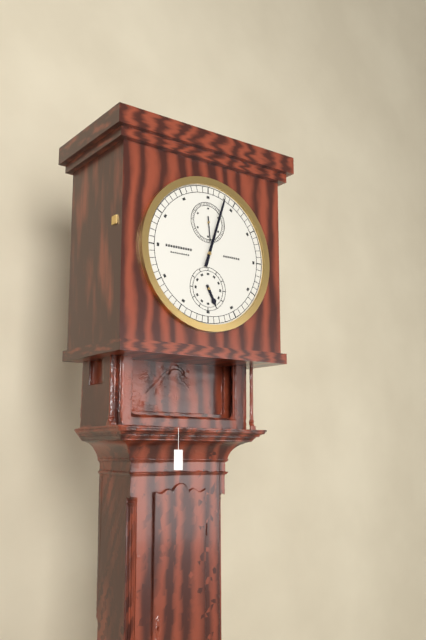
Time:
5:03
